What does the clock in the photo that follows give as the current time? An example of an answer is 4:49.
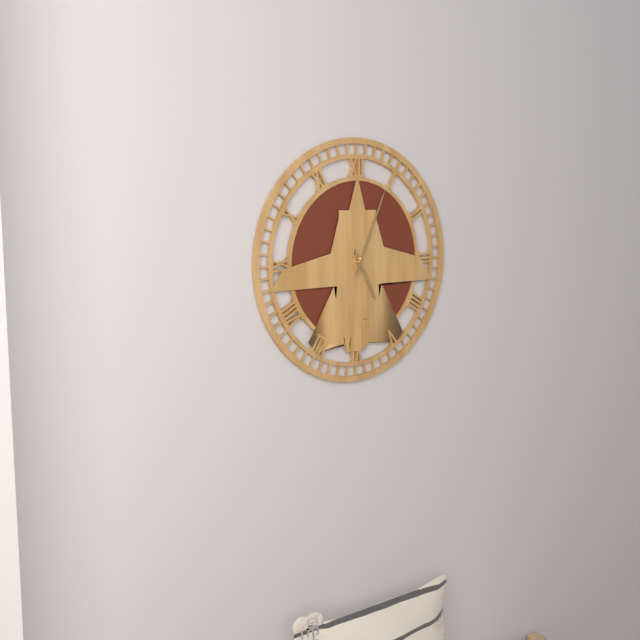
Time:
5:04
